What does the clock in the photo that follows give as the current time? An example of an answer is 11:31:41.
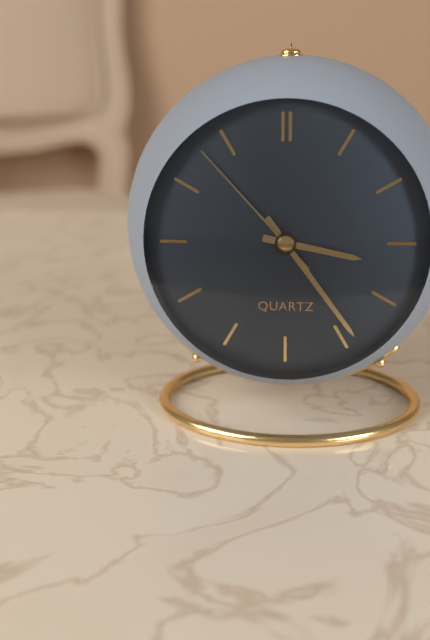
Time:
3:24:53
